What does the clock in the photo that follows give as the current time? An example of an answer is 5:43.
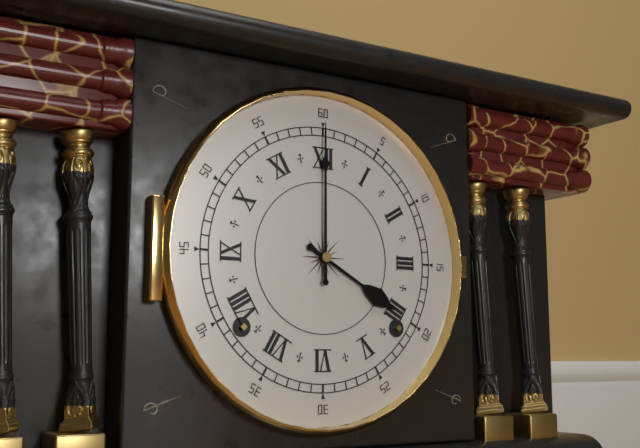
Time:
4:00
